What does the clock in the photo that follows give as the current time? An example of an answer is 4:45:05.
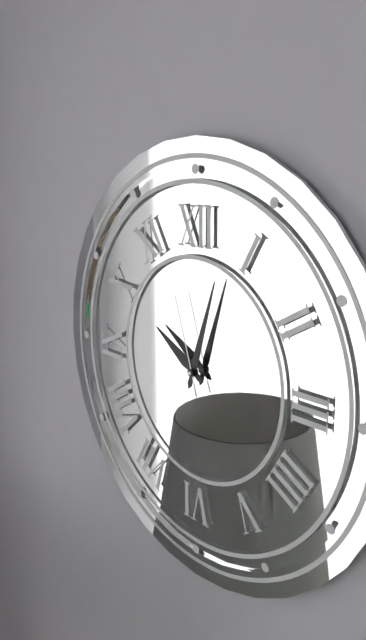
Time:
10:03:57
